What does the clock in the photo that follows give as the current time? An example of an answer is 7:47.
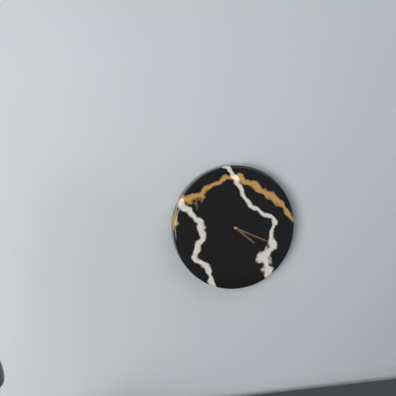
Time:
4:19
